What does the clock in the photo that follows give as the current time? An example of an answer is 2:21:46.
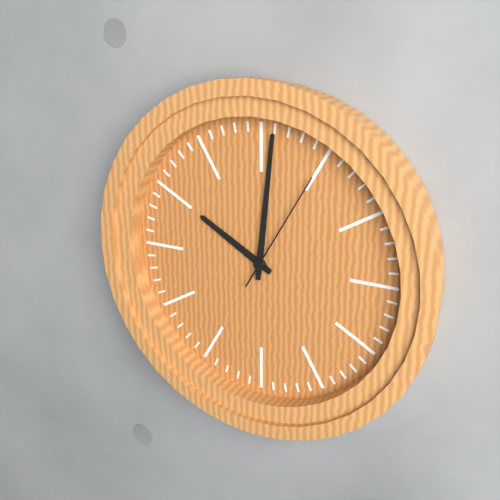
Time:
10:01:05
